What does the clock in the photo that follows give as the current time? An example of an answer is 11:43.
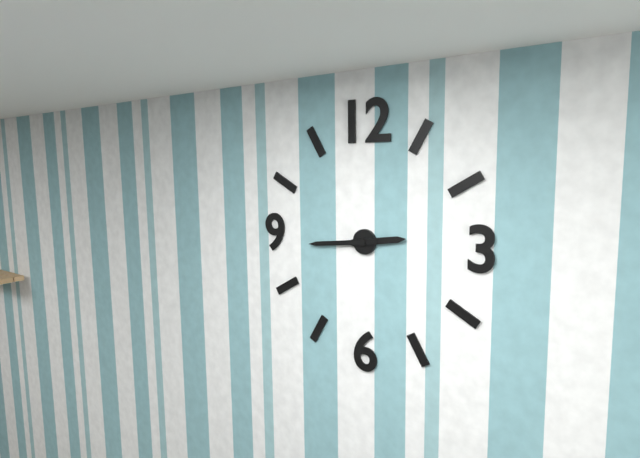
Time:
2:44
